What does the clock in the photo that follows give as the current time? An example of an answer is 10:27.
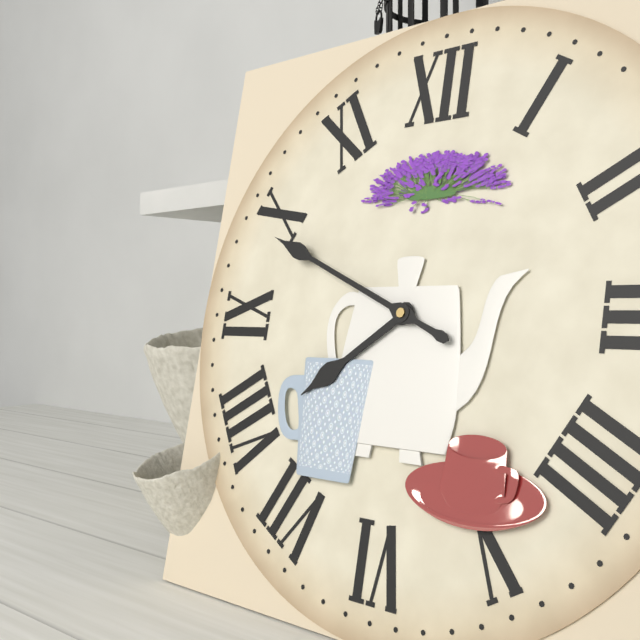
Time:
7:49
